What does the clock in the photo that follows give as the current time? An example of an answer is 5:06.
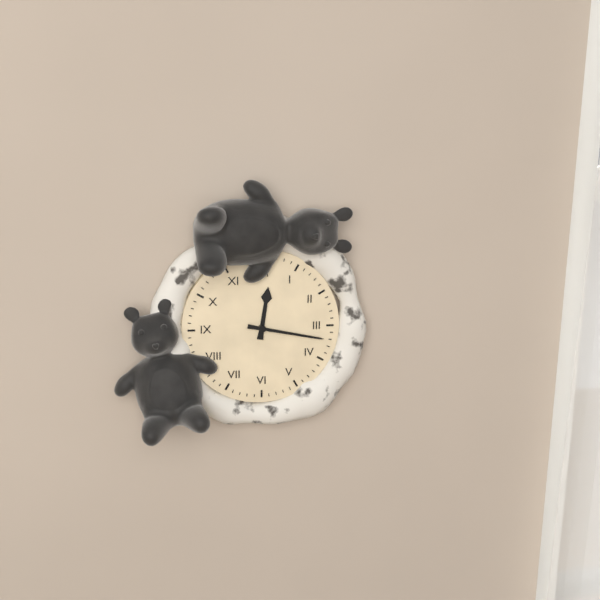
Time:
12:17
